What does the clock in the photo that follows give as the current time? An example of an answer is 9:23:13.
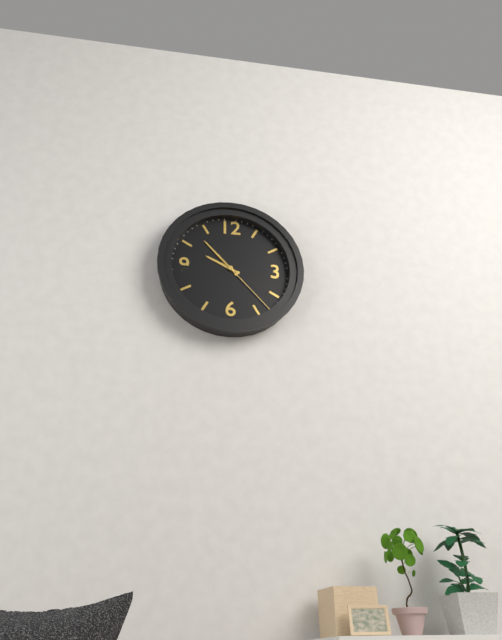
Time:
9:53:23
